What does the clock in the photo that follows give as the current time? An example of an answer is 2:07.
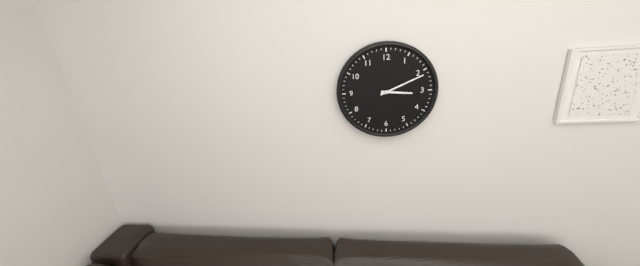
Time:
3:11
